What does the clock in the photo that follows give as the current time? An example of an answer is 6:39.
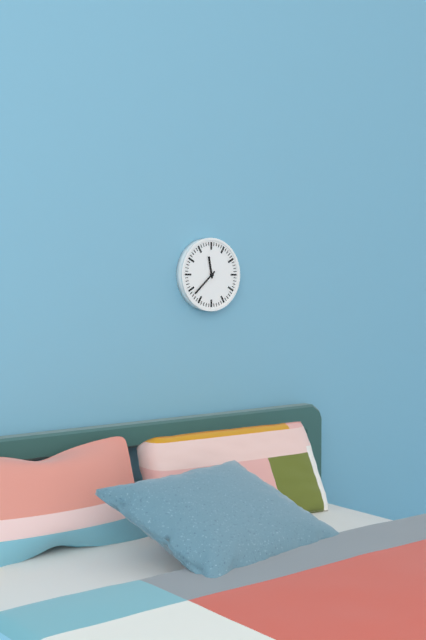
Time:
11:38
